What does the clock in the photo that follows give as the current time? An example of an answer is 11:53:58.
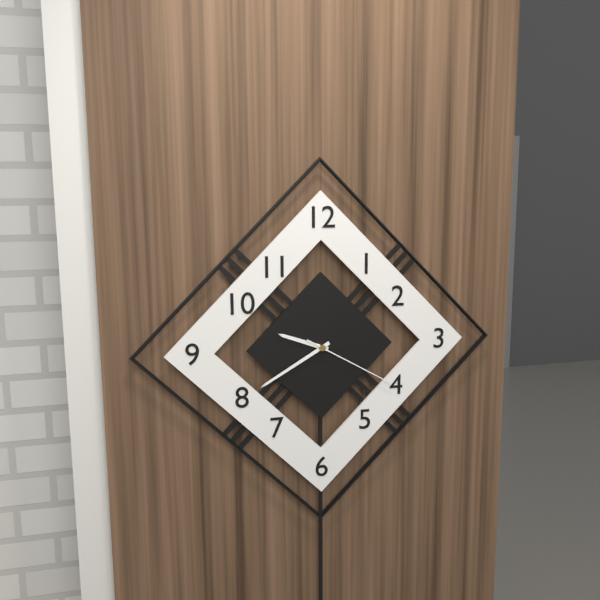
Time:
9:40:20
